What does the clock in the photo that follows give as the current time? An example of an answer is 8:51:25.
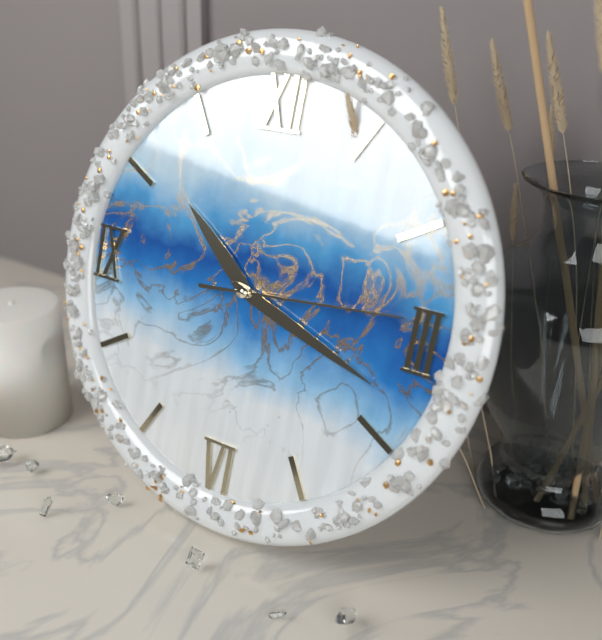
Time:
10:18:14
